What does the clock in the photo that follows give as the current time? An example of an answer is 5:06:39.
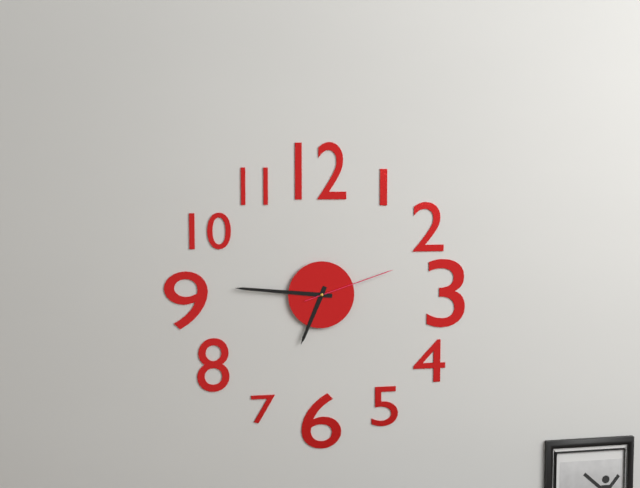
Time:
6:46:12
